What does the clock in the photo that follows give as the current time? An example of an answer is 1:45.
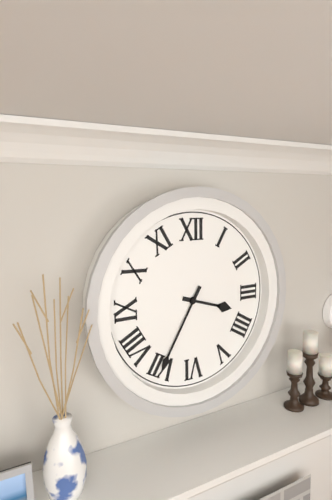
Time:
3:35
